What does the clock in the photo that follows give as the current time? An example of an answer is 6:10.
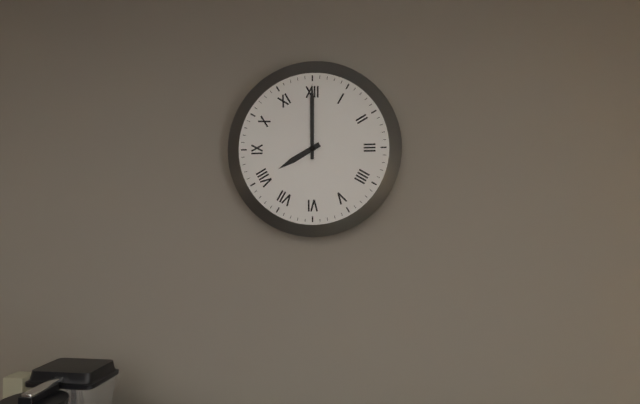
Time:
8:00
